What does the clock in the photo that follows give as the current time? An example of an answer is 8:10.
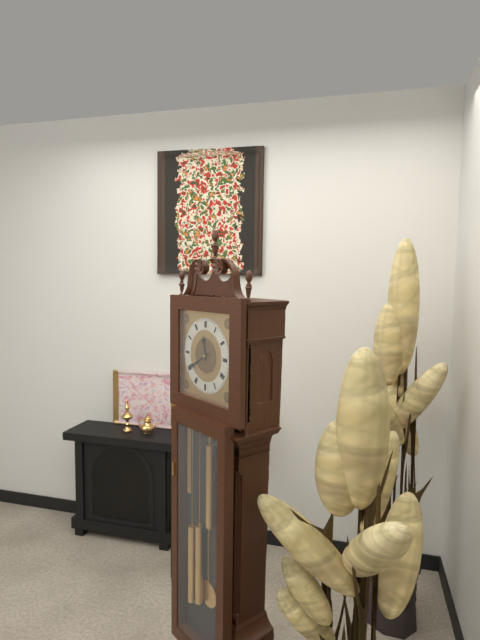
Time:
11:40
